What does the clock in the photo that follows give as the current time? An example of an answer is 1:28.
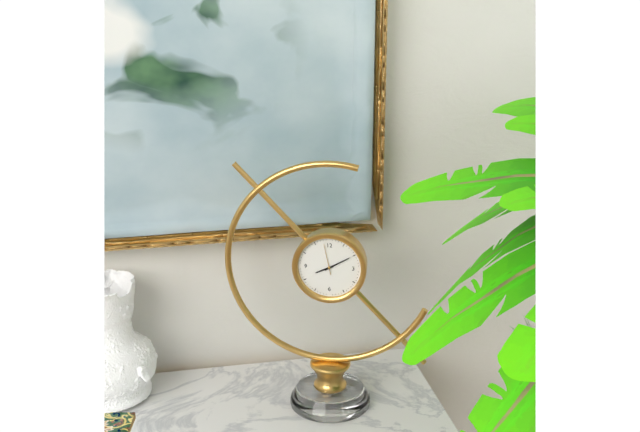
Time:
8:10
